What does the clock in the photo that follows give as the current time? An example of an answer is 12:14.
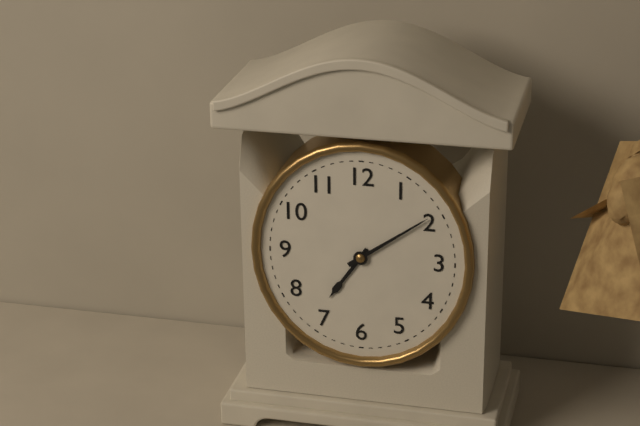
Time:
7:09
